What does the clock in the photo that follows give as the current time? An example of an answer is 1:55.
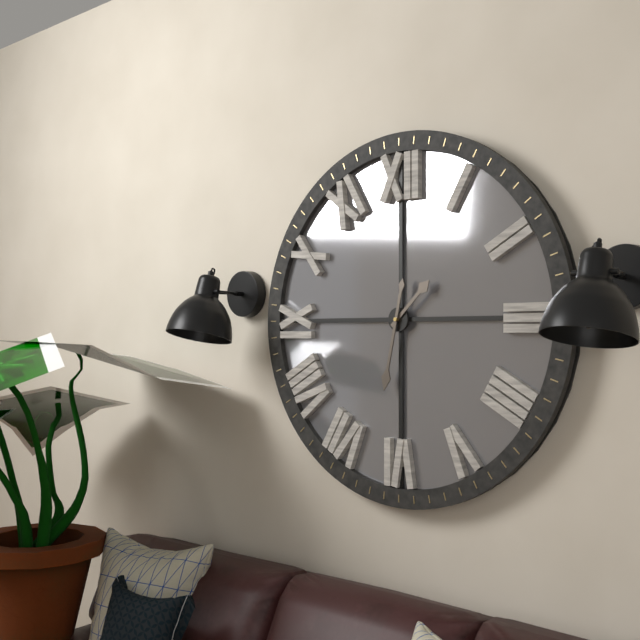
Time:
1:32
